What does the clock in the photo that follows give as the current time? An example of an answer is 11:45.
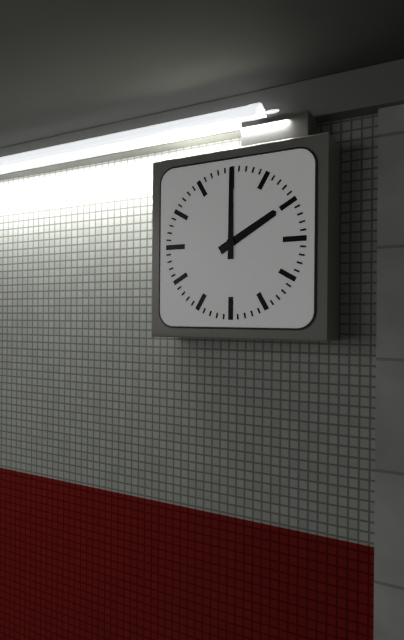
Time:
2:00
